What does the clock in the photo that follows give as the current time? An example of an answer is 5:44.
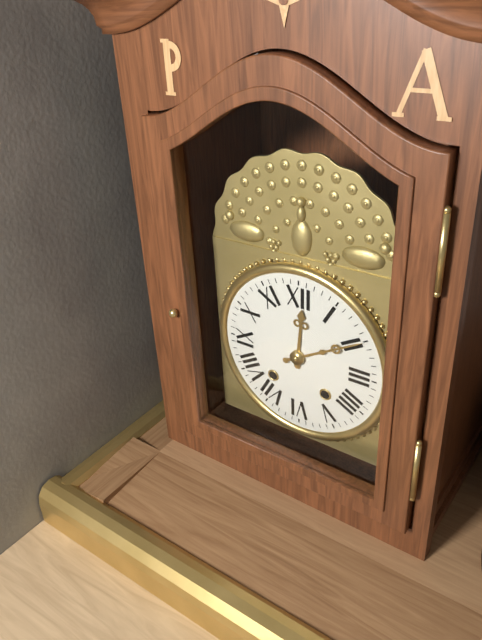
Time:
12:10
